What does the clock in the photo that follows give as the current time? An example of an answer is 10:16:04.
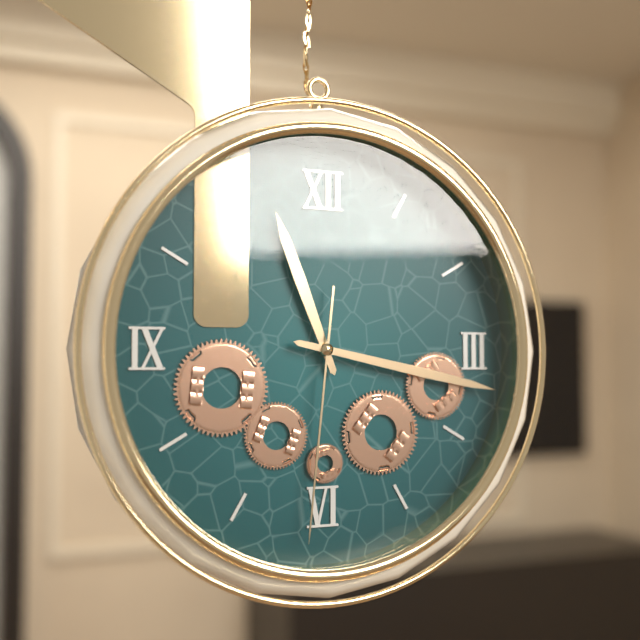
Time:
11:17:31
